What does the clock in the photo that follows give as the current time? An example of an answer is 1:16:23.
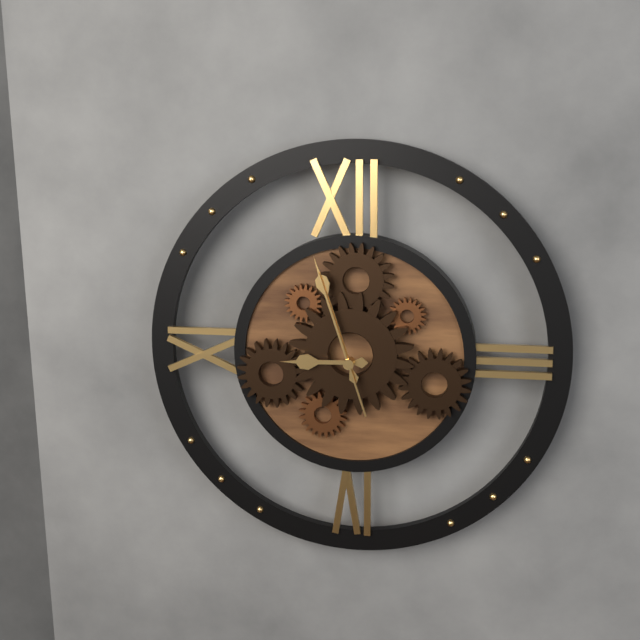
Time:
8:57:57
